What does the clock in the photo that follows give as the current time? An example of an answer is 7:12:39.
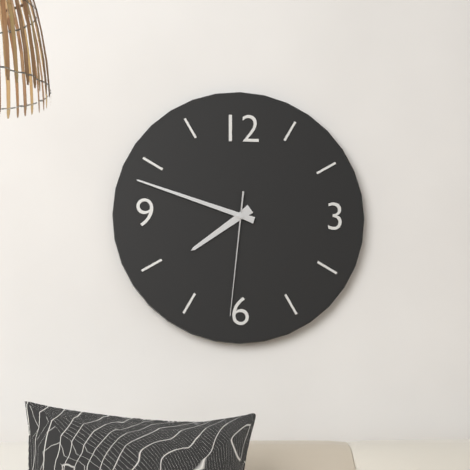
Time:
7:48:31
